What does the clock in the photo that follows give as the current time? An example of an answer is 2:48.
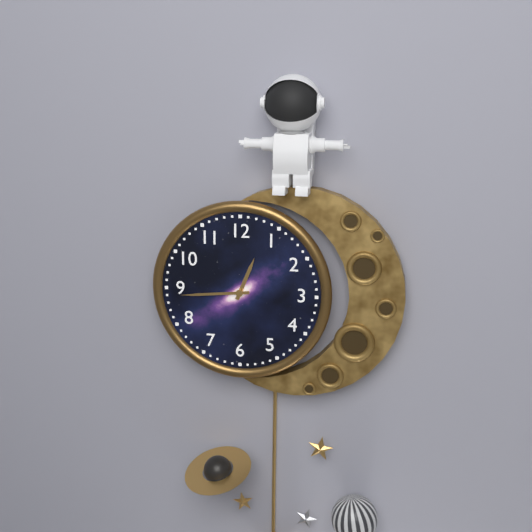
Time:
12:44
